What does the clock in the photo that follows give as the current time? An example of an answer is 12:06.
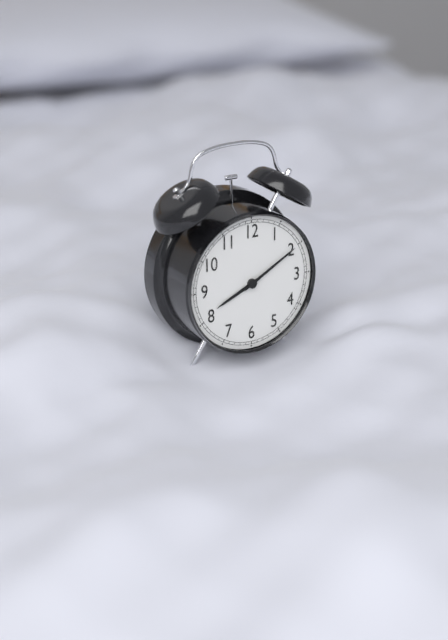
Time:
8:10
